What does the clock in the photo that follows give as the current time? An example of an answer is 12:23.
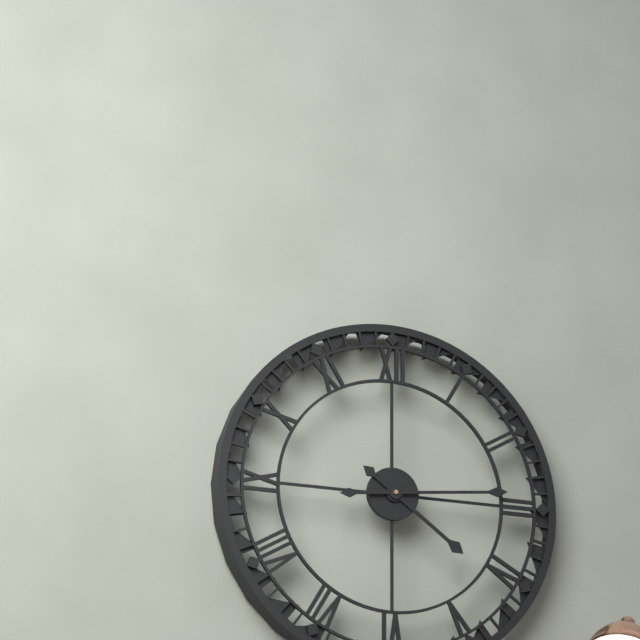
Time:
4:14
